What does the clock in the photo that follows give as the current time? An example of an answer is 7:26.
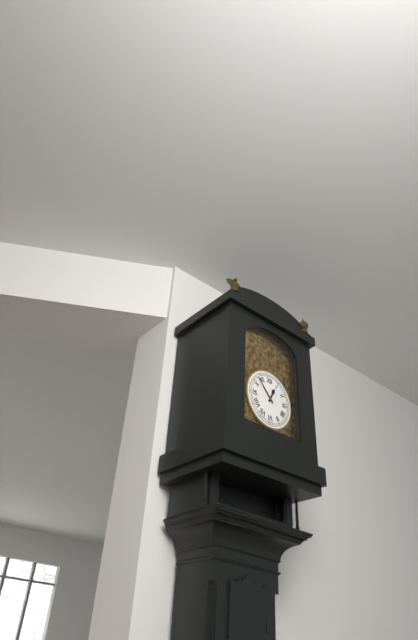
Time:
12:53
